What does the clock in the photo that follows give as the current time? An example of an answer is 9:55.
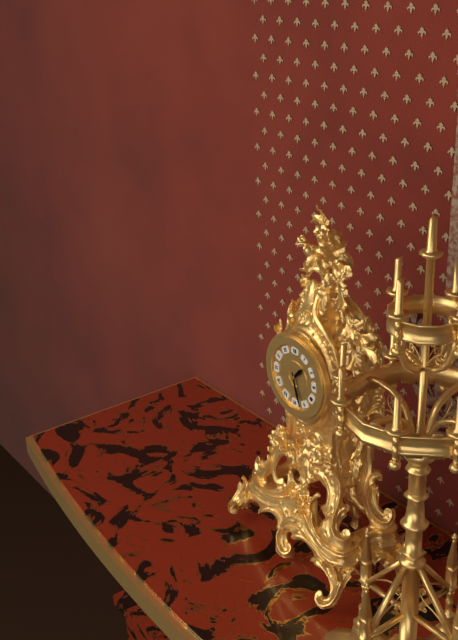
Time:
1:27
